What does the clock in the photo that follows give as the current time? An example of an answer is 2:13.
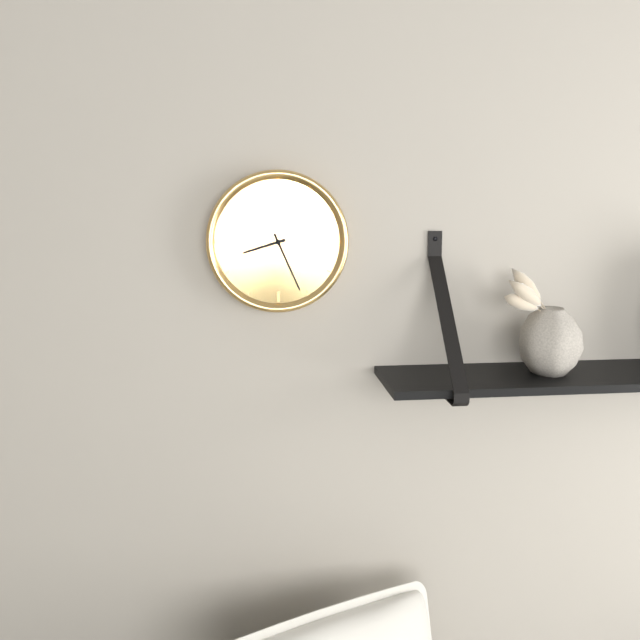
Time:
8:26
